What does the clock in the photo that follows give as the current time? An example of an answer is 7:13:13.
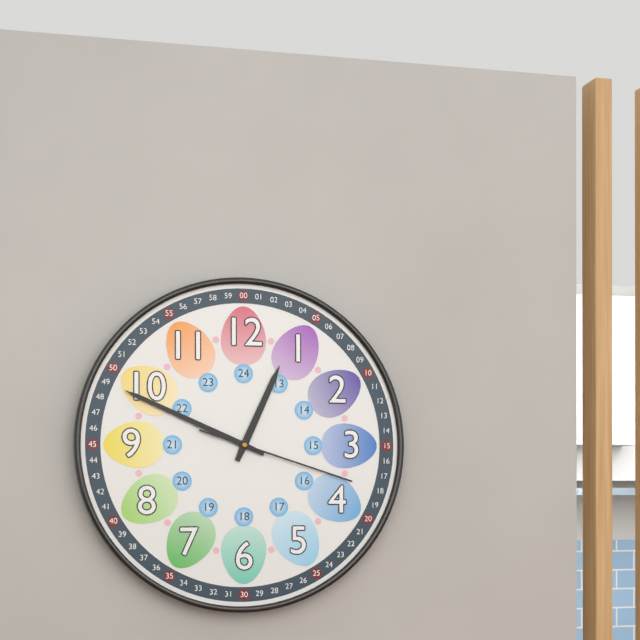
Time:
12:49:18
